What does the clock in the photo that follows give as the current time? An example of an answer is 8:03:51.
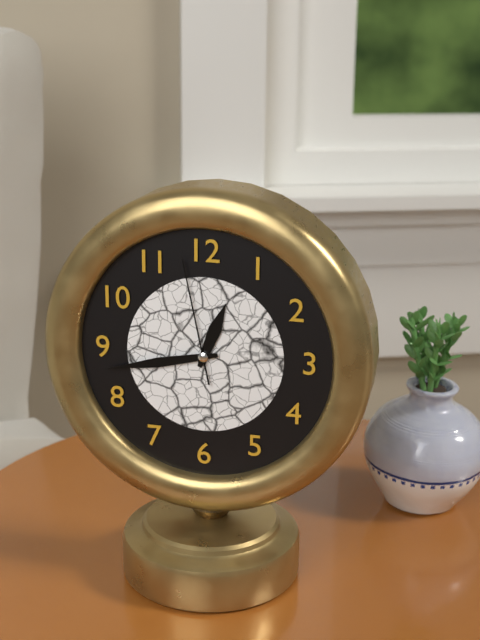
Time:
12:43:58
